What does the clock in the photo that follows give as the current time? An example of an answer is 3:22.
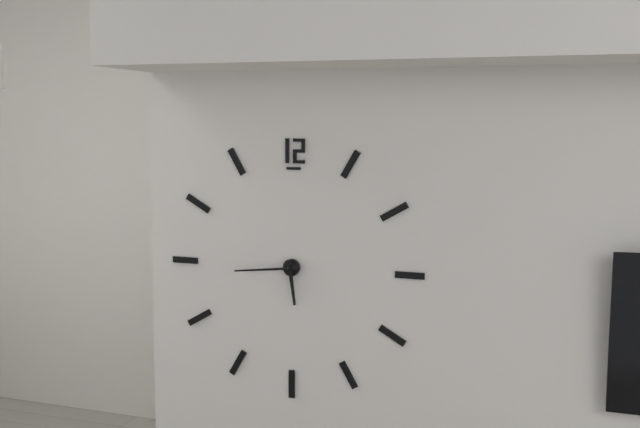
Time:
5:44
